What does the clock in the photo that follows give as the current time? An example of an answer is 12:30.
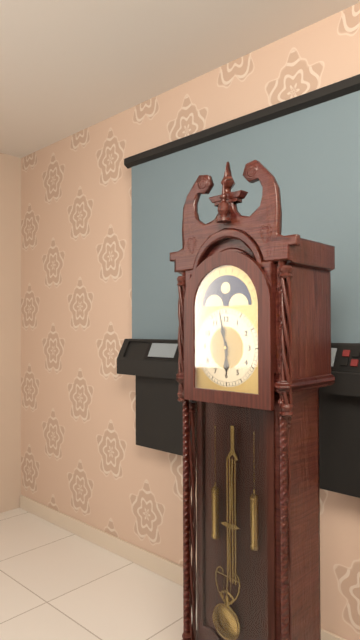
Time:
5:58
